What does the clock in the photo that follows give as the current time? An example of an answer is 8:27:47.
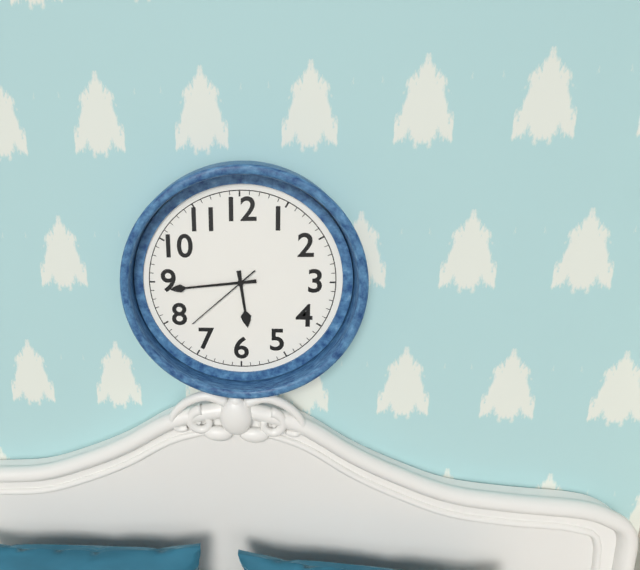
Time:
5:44:38
